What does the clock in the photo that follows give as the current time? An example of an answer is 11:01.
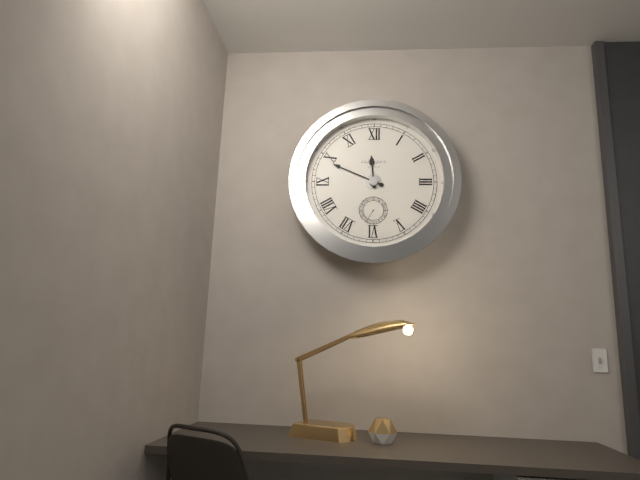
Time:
11:49
